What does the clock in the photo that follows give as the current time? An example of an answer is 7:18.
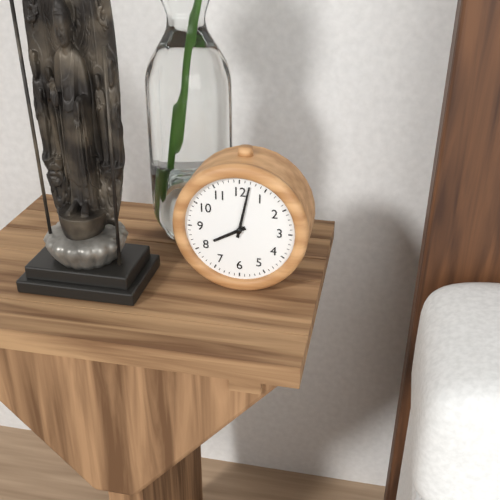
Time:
8:02
